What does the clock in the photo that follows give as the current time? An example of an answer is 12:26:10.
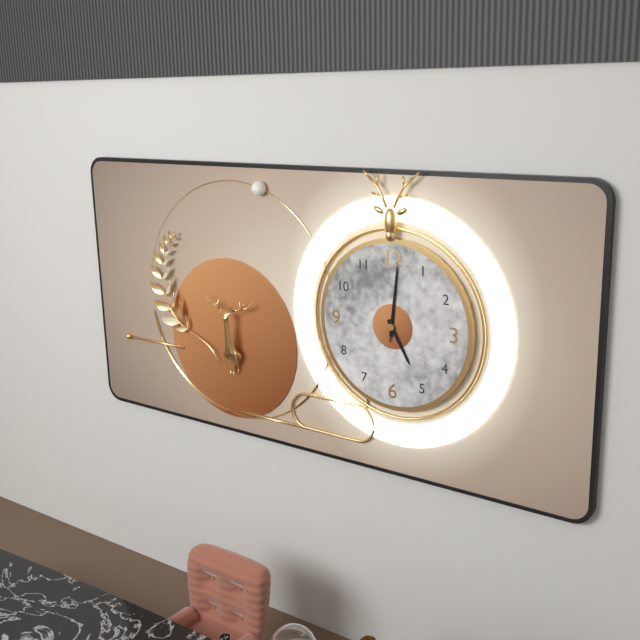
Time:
5:01:01
